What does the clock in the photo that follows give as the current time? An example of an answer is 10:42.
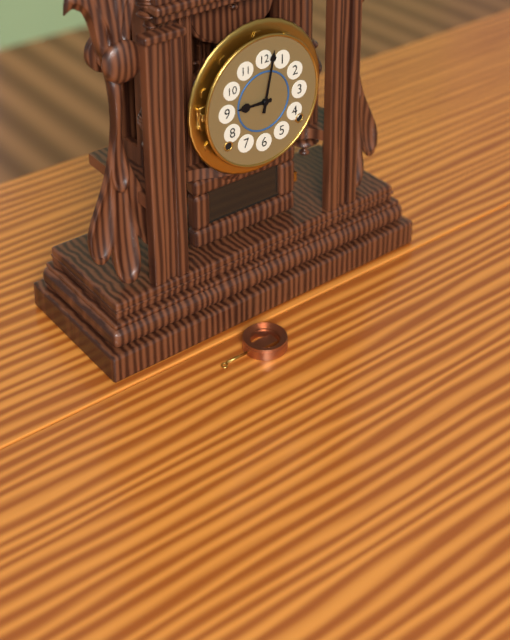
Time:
9:02
